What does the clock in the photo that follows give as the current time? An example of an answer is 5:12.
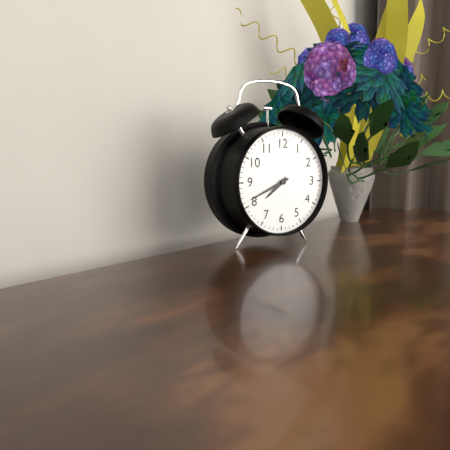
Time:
7:41
